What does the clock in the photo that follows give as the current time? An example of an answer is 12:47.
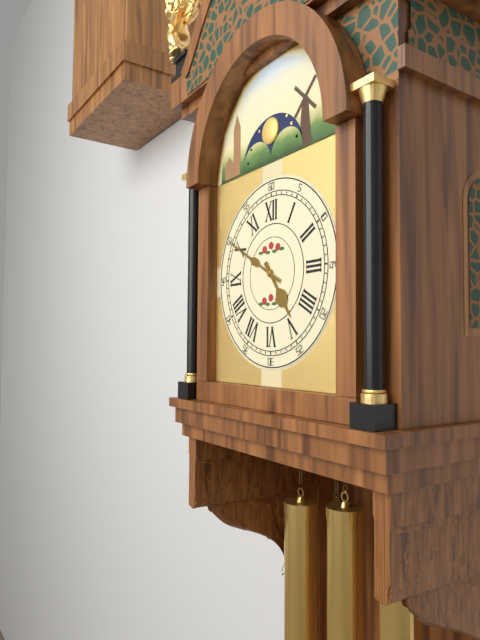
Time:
4:50
